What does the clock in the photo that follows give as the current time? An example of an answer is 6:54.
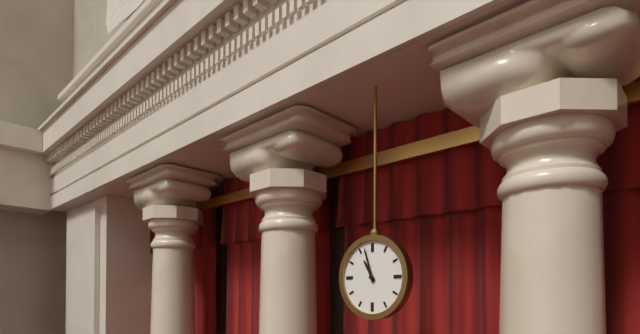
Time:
10:57
